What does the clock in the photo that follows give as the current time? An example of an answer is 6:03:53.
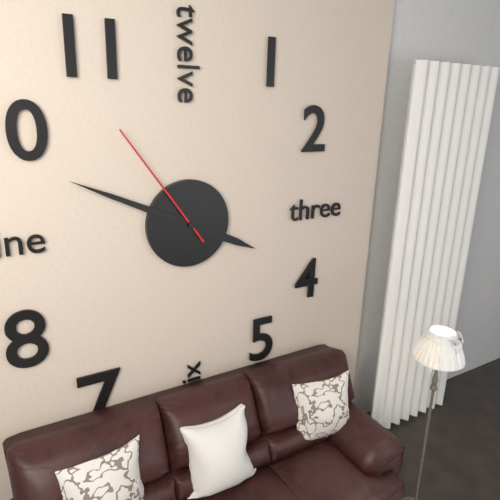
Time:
3:49:54
